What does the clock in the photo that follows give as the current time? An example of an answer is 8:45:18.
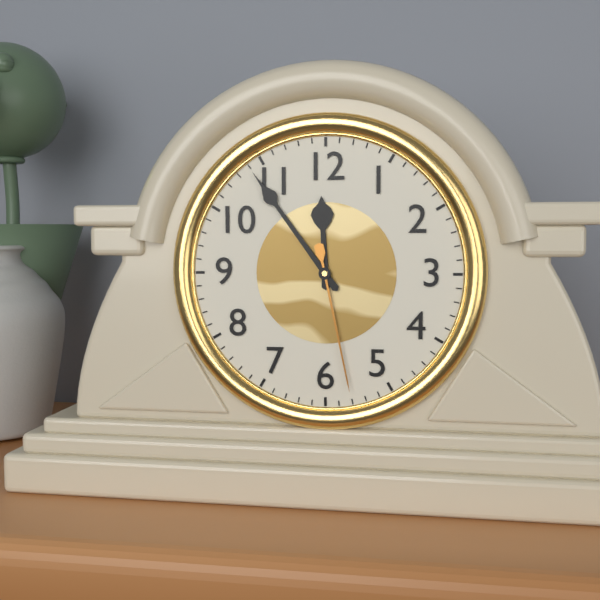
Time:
11:54:28
